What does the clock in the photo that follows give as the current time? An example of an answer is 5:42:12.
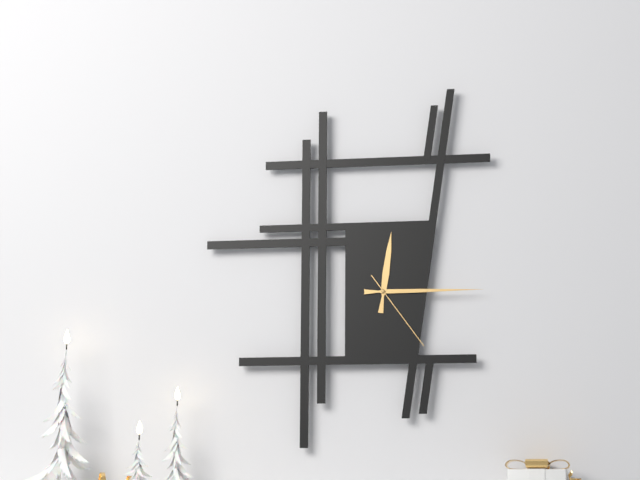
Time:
12:15:24
